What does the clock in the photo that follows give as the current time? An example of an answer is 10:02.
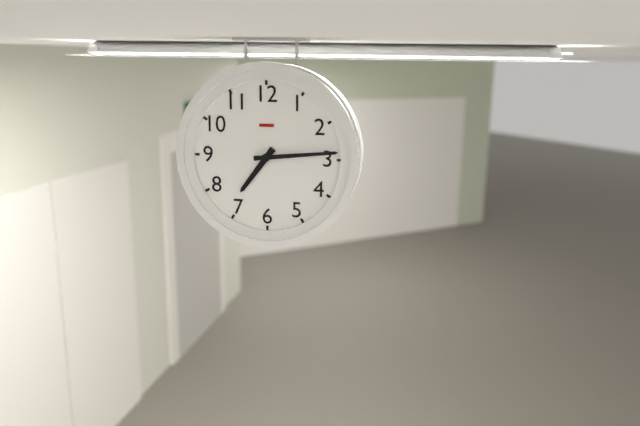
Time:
7:14
